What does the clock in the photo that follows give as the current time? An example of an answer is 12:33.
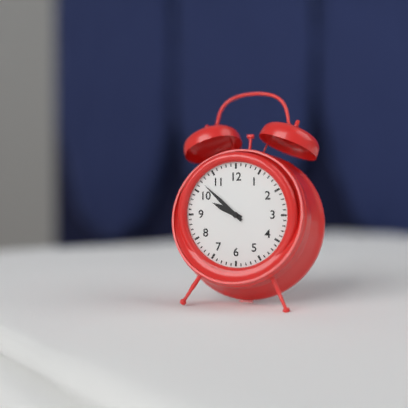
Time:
9:52
